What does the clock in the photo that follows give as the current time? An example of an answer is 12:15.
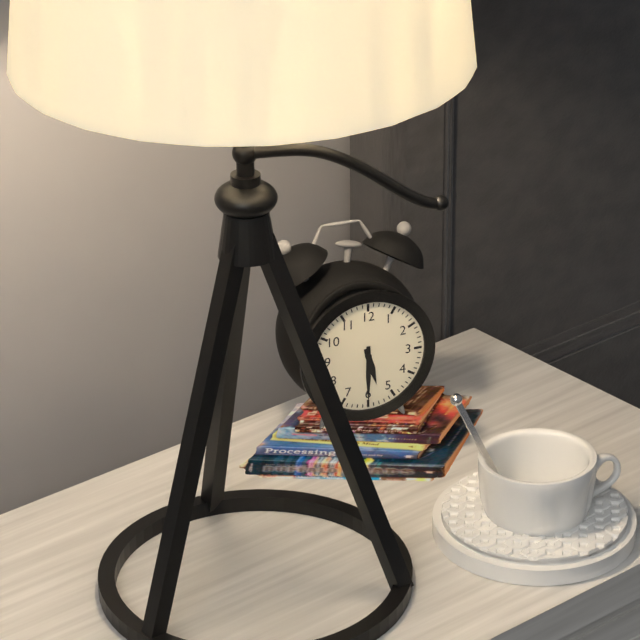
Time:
5:30
